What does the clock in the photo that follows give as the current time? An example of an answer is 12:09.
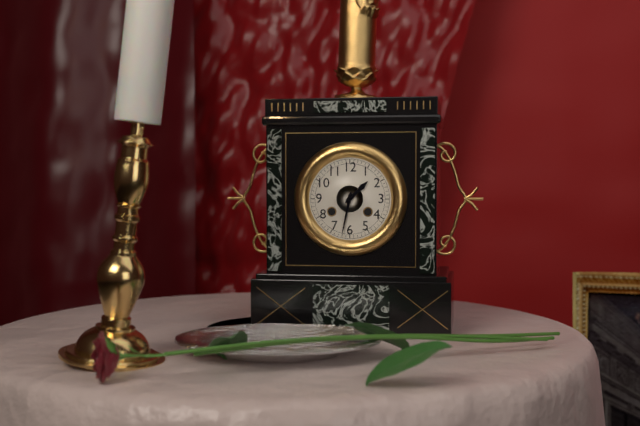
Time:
1:32
